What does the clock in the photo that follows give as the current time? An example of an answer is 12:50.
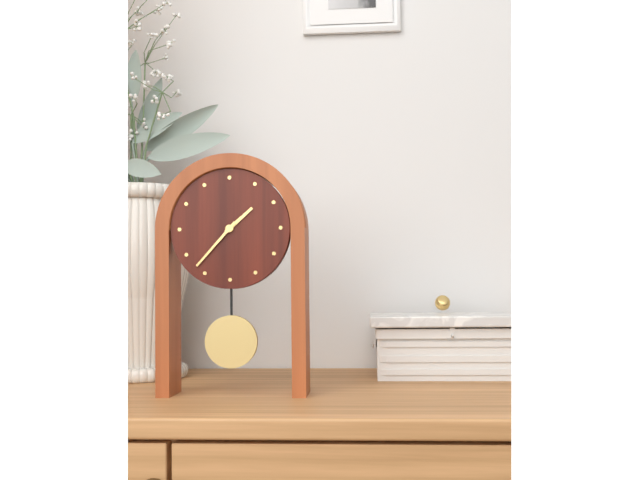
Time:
1:37
